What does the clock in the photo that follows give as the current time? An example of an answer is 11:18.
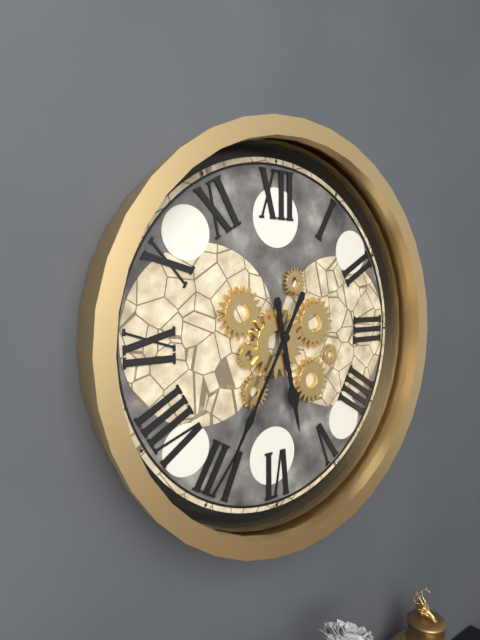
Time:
5:35
